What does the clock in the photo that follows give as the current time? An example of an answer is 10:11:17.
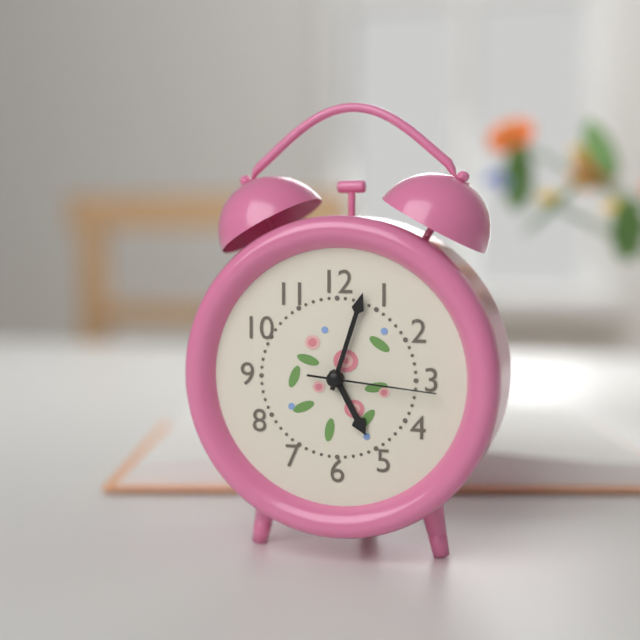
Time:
5:03:16
